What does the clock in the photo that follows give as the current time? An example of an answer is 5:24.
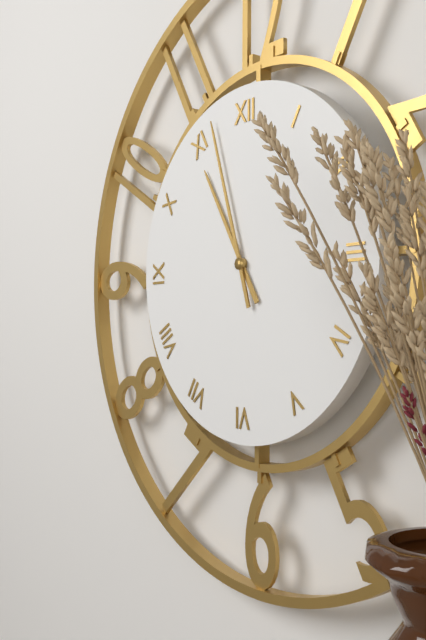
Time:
10:57
